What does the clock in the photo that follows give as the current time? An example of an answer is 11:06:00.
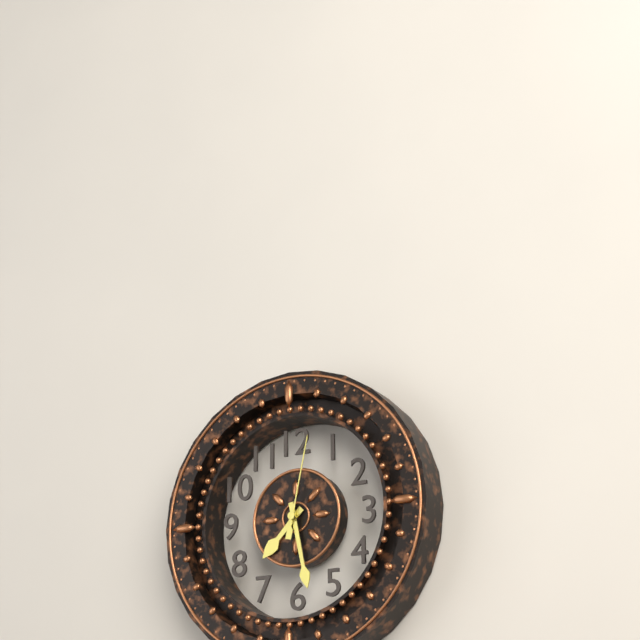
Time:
7:28:02
